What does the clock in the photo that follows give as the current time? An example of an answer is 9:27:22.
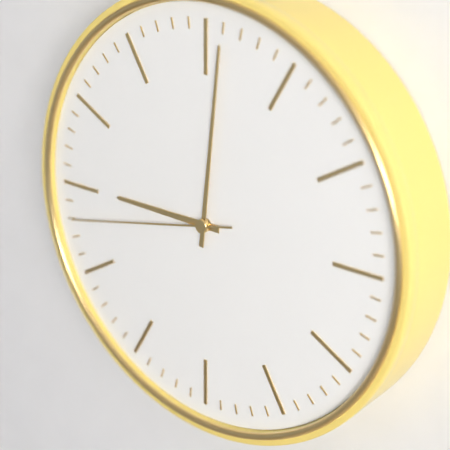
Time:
9:01:43
